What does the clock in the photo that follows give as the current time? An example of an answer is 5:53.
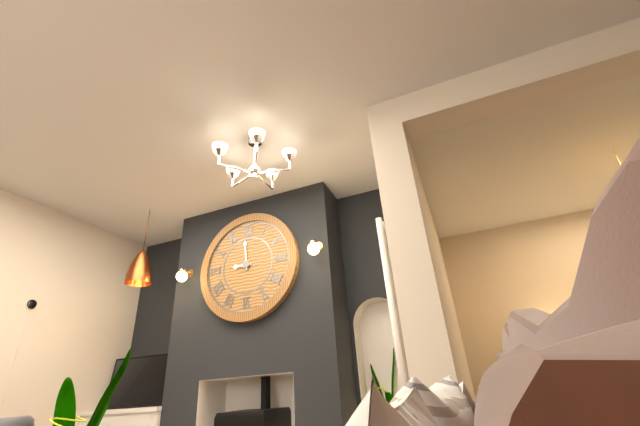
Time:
8:59
